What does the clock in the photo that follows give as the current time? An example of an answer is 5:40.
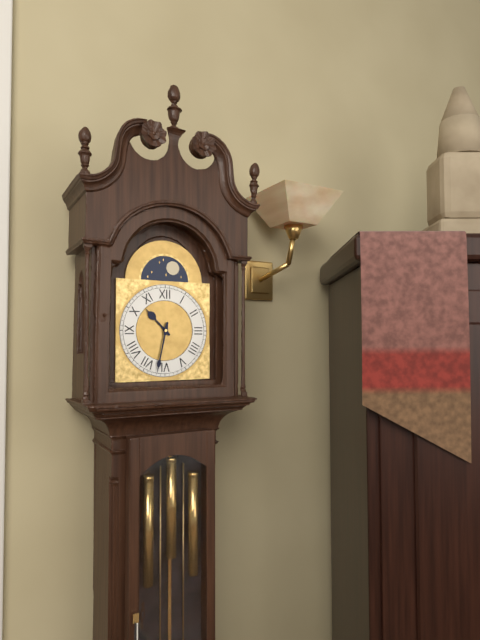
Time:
10:32
